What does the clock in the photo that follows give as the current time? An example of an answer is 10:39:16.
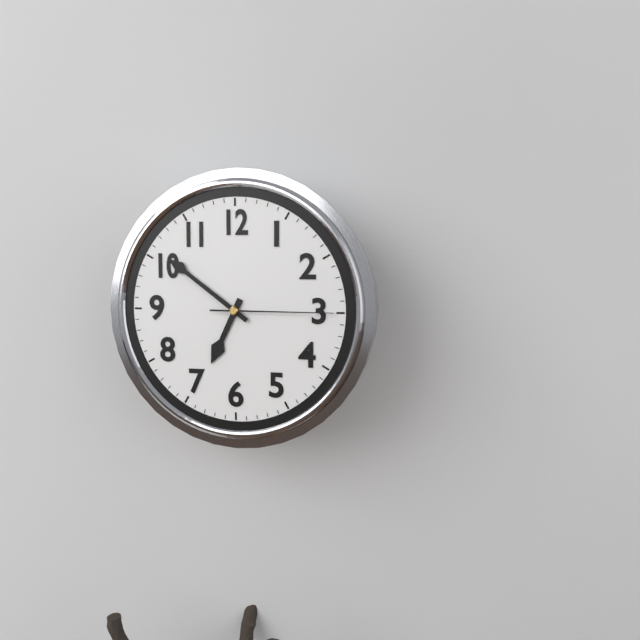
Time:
6:51:15
